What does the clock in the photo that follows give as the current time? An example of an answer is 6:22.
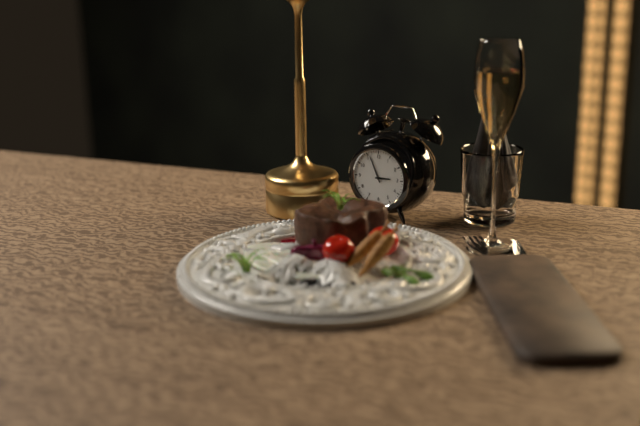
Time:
2:56
